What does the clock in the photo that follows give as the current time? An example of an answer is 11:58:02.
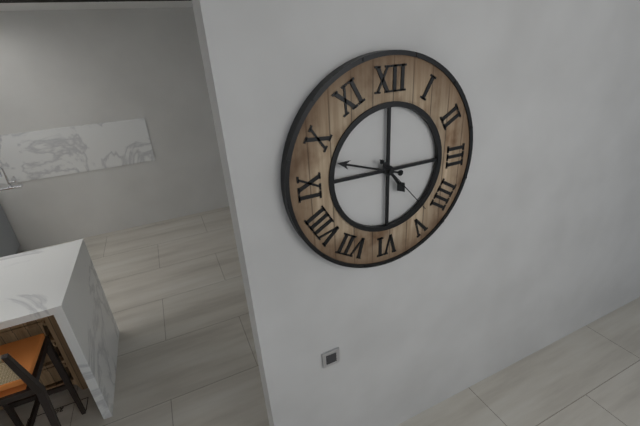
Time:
4:48:23
